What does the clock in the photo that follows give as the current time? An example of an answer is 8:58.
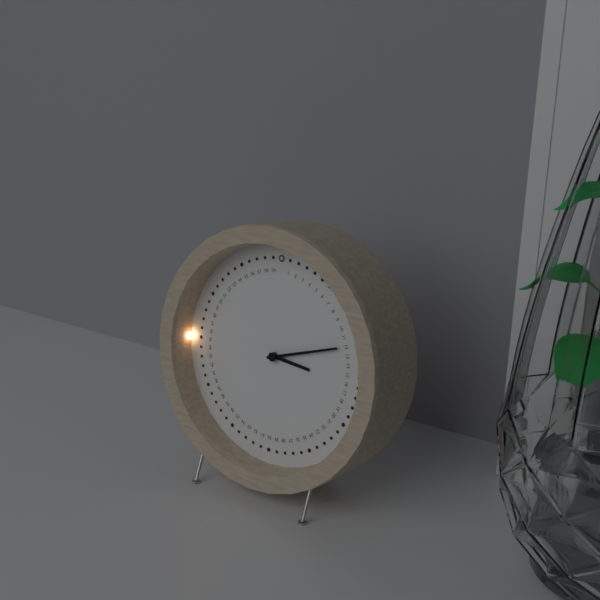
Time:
3:12
